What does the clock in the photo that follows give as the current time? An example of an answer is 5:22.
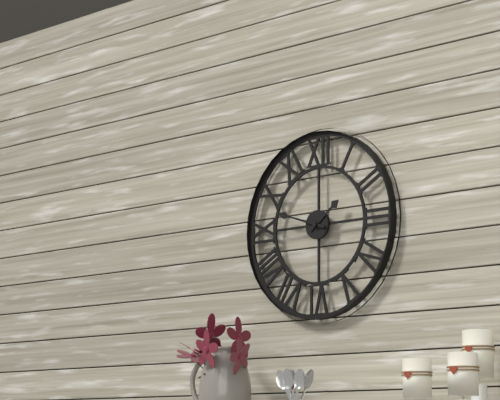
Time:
1:48
